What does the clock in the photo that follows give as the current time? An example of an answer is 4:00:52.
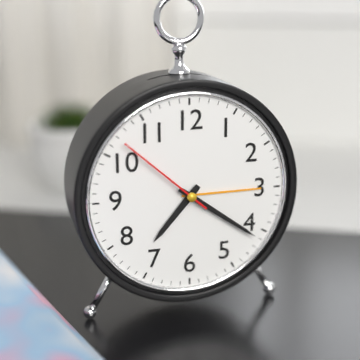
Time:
7:21:52
